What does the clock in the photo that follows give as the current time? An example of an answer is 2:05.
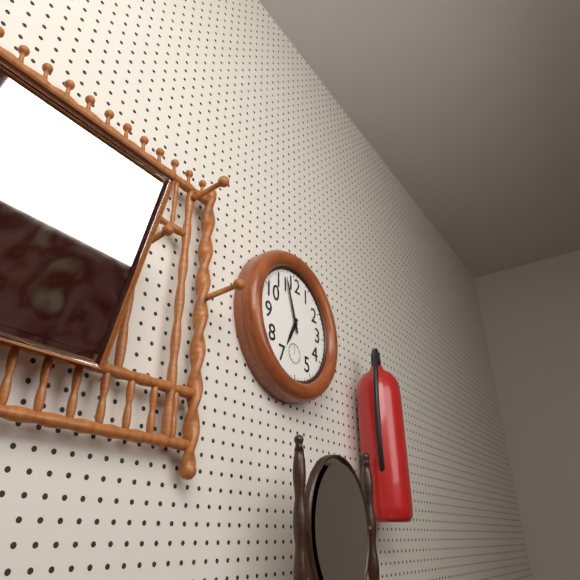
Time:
6:57
